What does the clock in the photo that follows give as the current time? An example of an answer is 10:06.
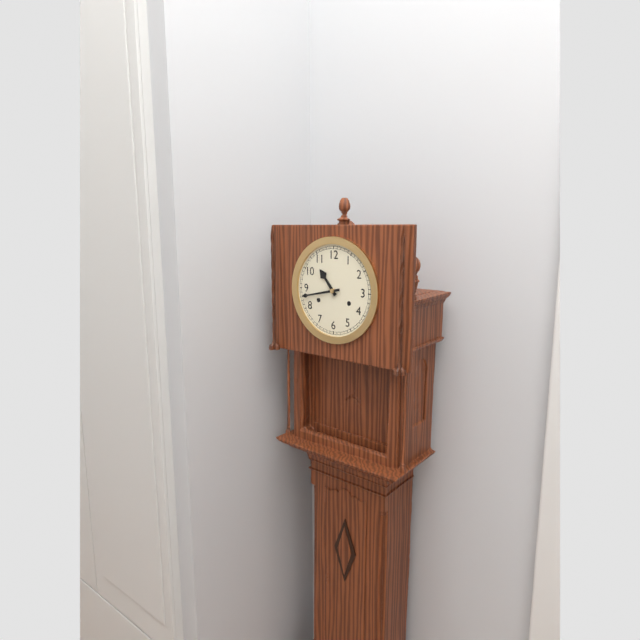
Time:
10:43
